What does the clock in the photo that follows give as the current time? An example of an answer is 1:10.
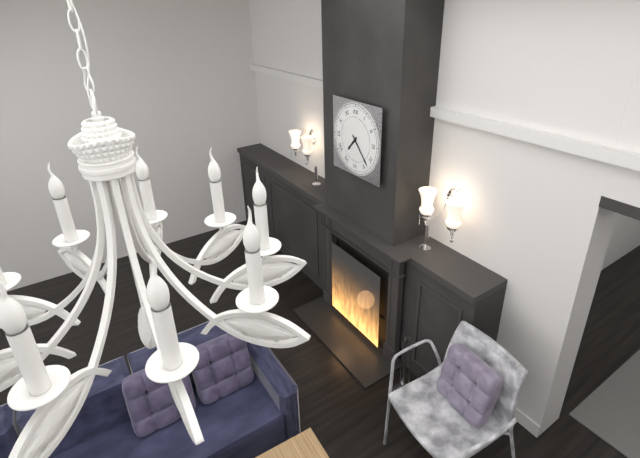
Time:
7:23
